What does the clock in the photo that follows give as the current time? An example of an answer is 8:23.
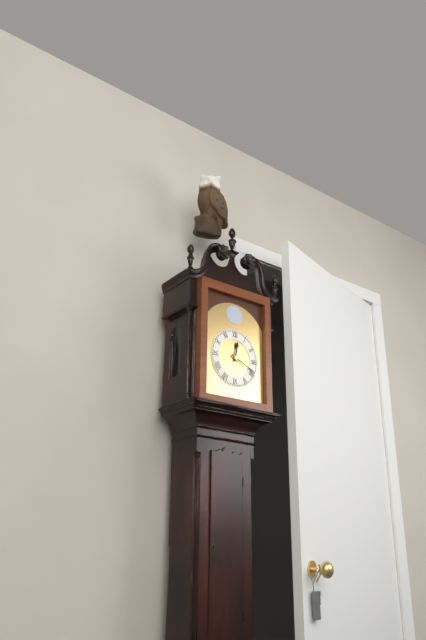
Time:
12:19
